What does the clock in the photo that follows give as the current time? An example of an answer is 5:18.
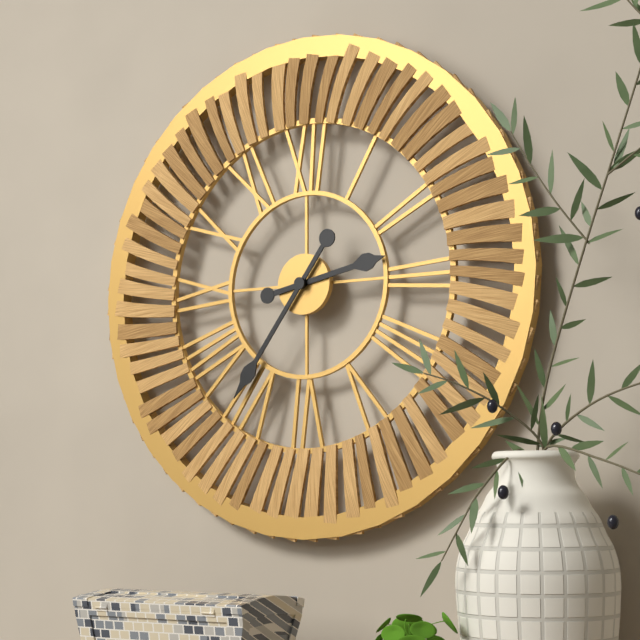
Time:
2:36
